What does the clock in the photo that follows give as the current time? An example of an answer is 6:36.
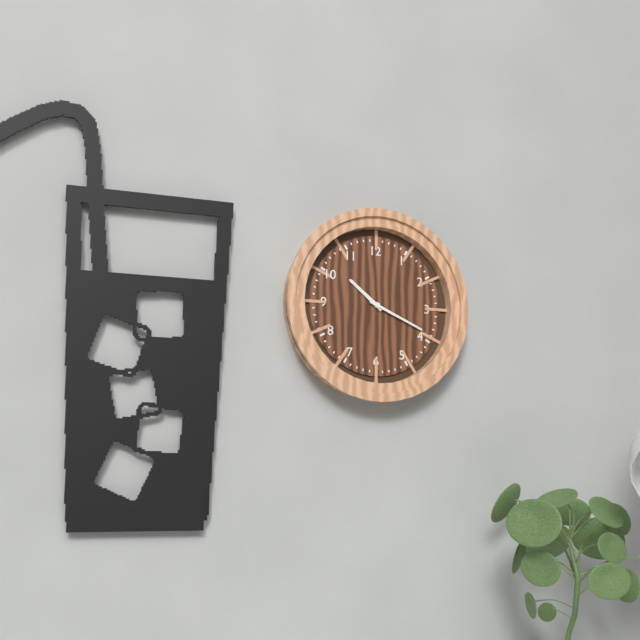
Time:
10:19
